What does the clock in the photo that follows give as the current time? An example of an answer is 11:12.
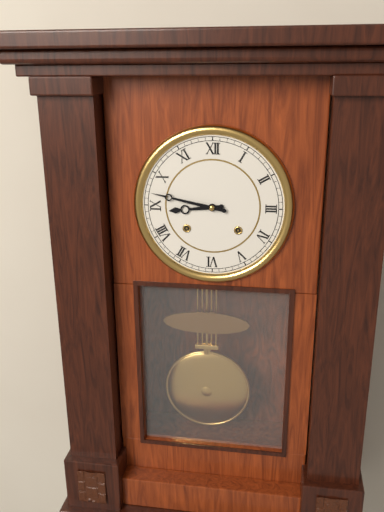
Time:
8:47
